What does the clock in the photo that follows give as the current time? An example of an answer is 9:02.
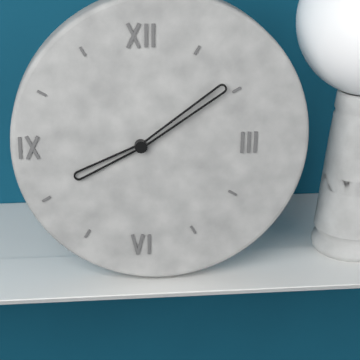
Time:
8:09
